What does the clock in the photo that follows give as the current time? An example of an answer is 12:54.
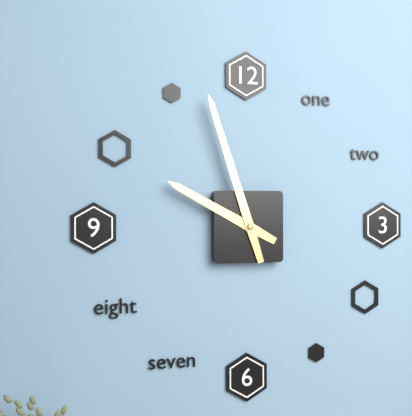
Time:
9:57
